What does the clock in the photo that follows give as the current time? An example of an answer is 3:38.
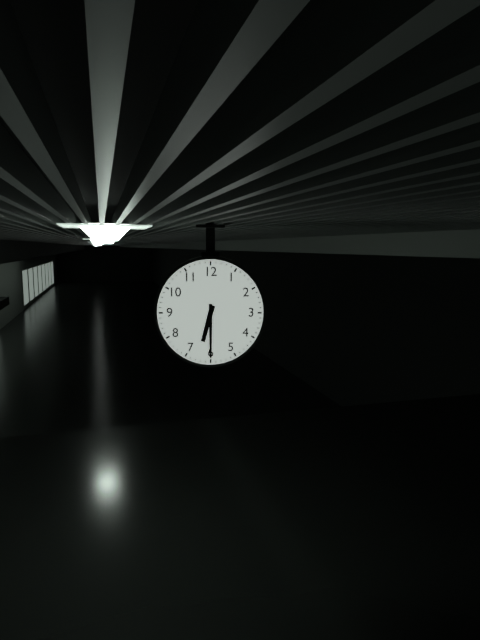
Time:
6:30
